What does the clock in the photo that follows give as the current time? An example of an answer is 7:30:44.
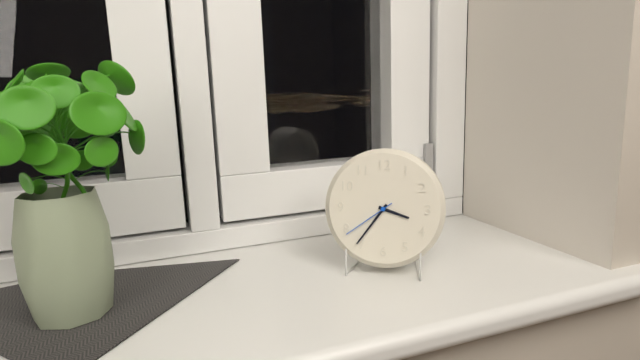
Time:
3:36:39
